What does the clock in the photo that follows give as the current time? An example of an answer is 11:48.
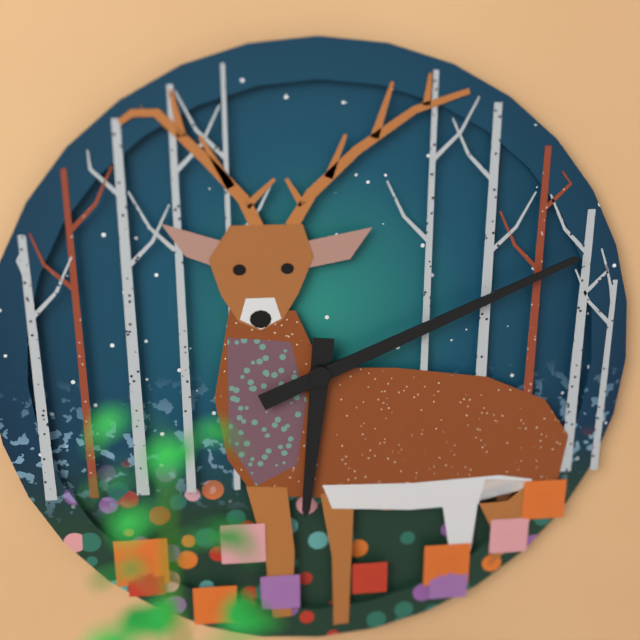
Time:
6:11
